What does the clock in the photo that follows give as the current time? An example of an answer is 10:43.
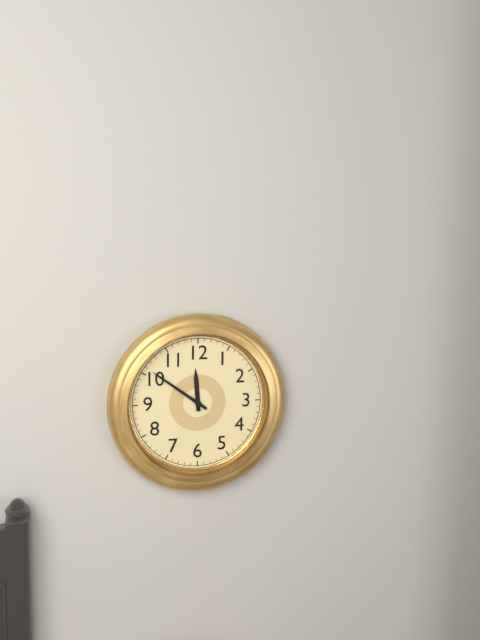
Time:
11:51
